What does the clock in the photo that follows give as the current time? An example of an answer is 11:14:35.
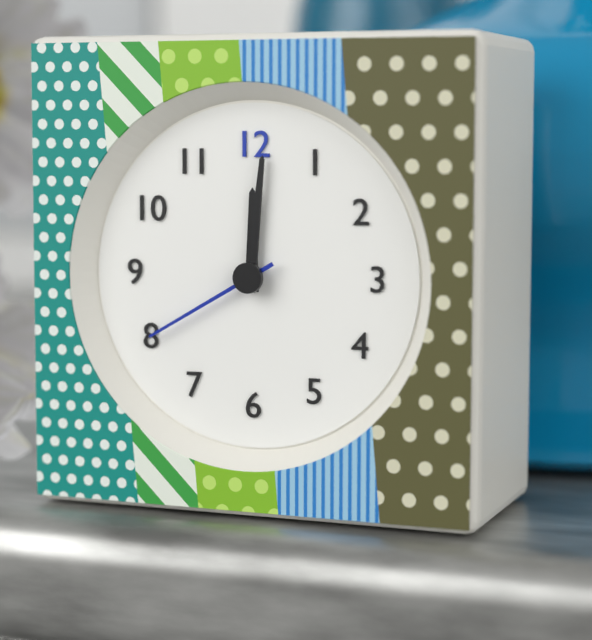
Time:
12:01:40
